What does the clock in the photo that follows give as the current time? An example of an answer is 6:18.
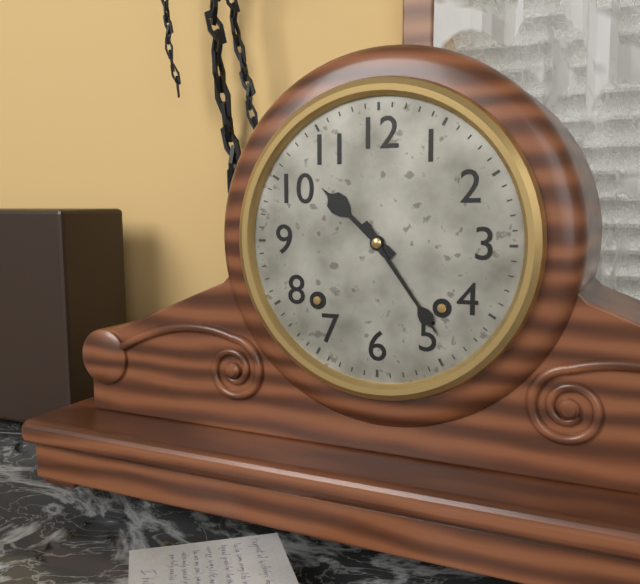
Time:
10:24
